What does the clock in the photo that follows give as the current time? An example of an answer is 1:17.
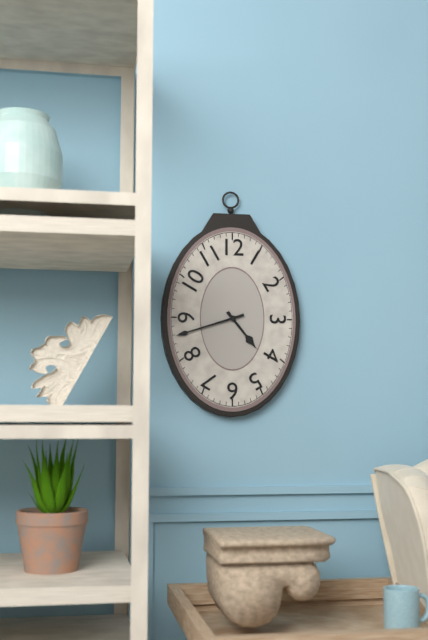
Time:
4:42
